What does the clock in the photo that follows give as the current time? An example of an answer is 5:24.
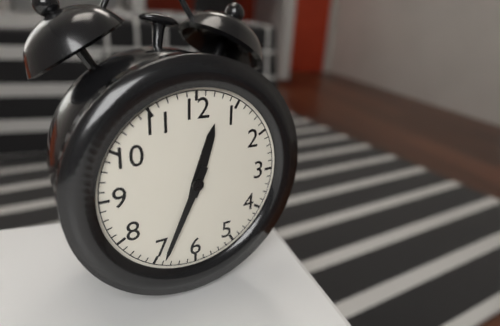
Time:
12:34
